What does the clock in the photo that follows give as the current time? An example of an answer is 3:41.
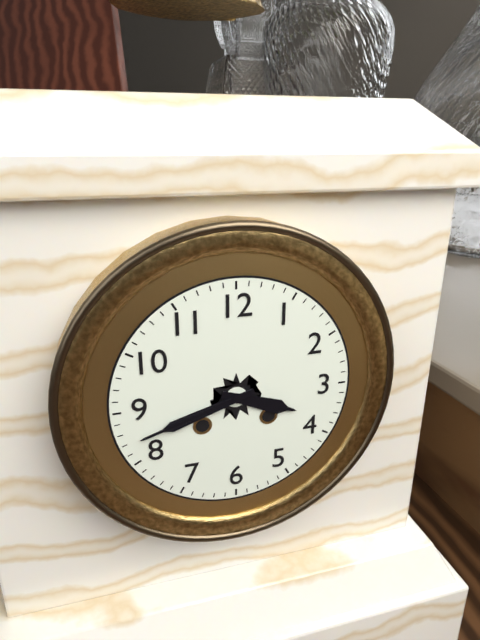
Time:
3:42
